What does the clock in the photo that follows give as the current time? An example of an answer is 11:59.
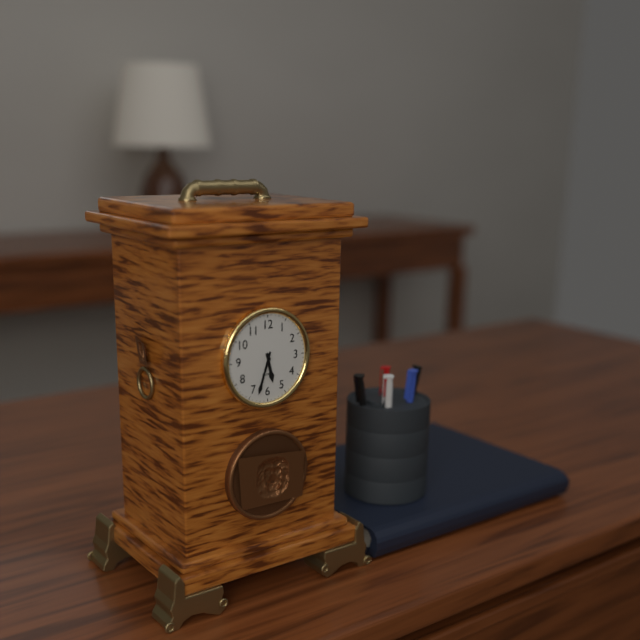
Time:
5:33
